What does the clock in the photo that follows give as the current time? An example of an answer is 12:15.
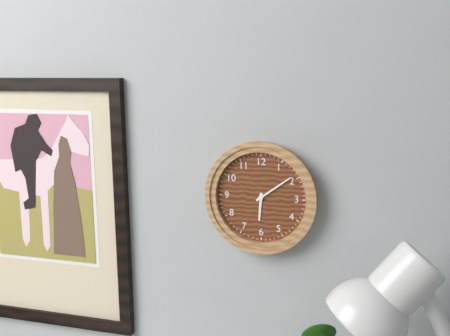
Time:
6:09
